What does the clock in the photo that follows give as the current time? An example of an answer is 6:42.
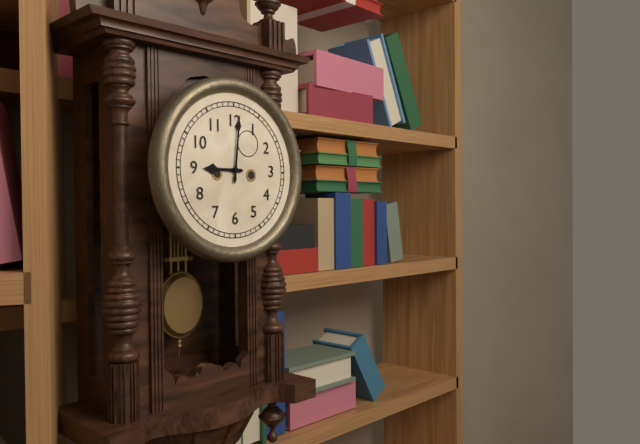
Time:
9:01
